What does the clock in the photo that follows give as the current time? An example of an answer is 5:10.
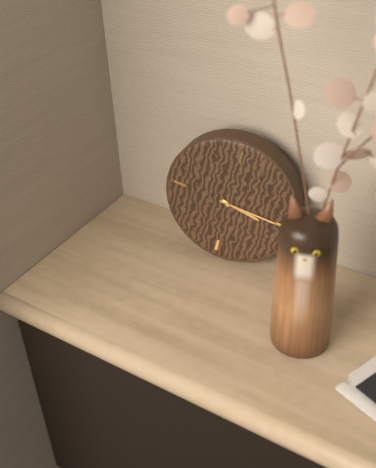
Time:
3:15
